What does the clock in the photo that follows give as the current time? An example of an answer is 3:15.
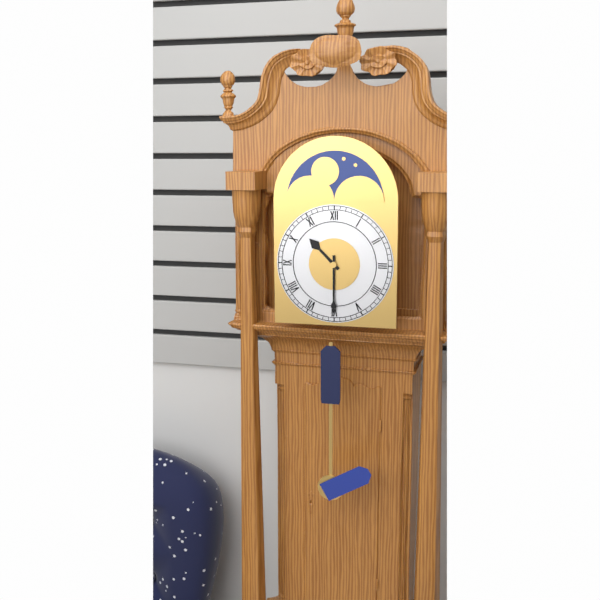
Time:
10:30
